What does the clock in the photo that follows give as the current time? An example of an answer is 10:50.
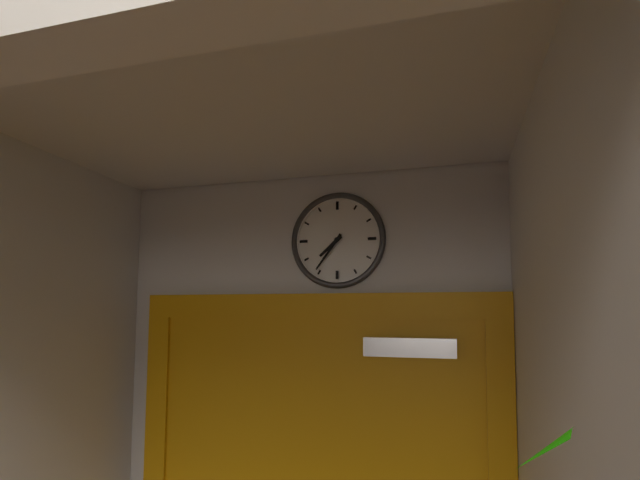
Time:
7:36
